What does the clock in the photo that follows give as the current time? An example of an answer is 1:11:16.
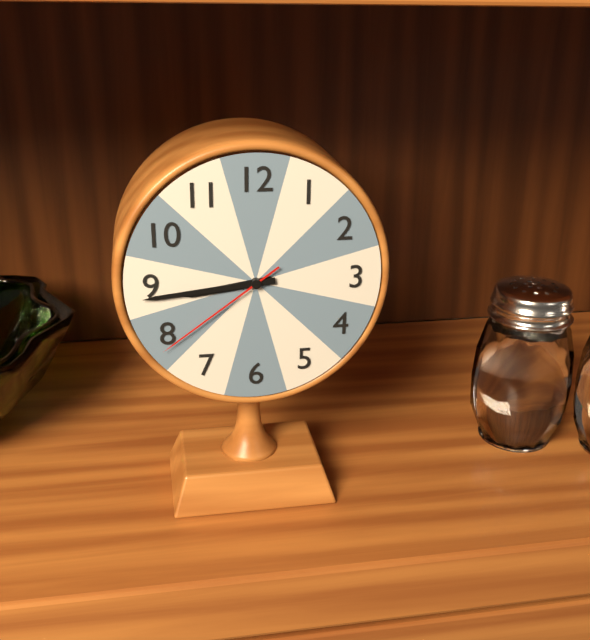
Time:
8:44:39
